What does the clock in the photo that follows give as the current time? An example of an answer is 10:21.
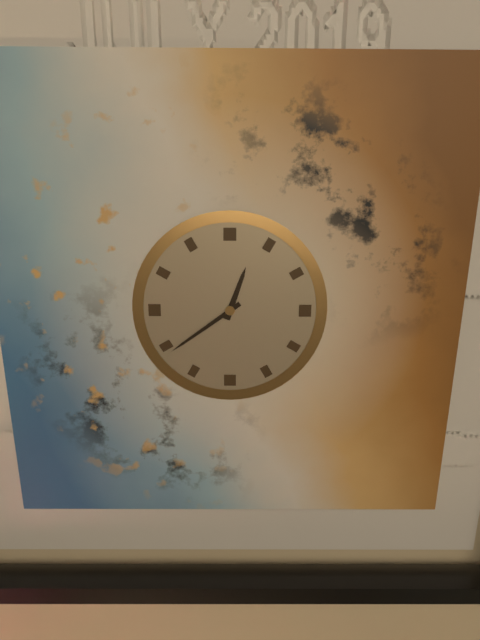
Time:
12:39
